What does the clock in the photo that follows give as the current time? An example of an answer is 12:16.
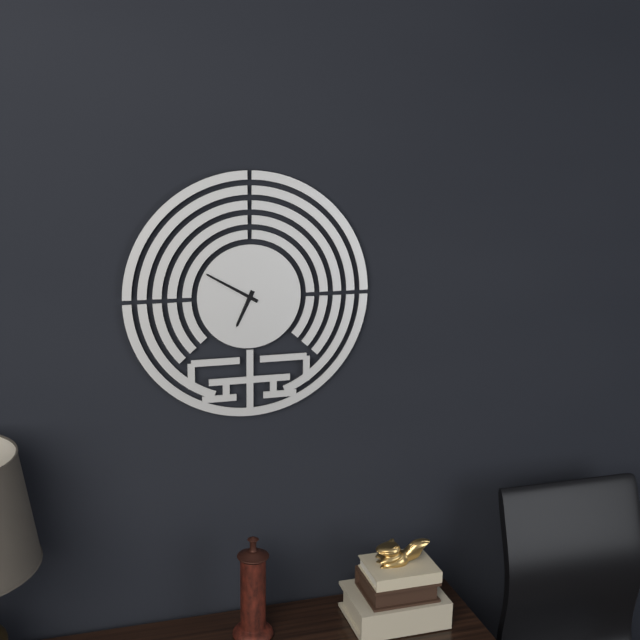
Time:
6:50
